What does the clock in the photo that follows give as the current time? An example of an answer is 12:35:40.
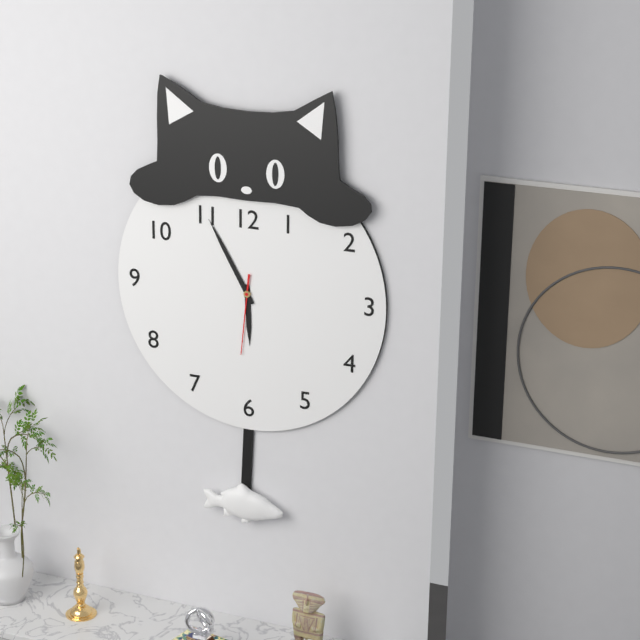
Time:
5:55:31
